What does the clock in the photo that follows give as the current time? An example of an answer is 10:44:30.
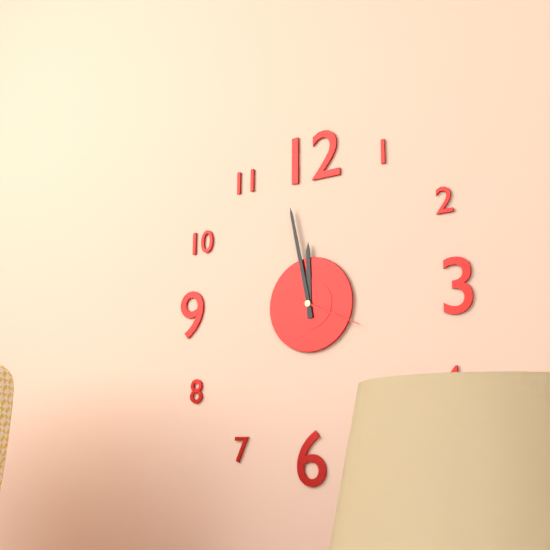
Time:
11:58:19
